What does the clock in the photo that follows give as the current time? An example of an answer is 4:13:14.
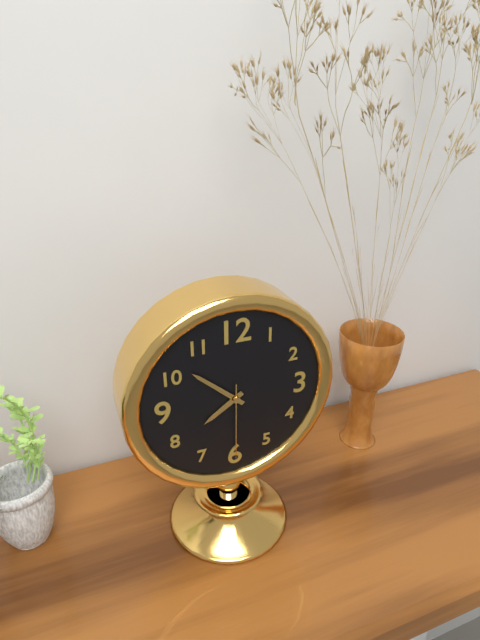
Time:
7:52:30
